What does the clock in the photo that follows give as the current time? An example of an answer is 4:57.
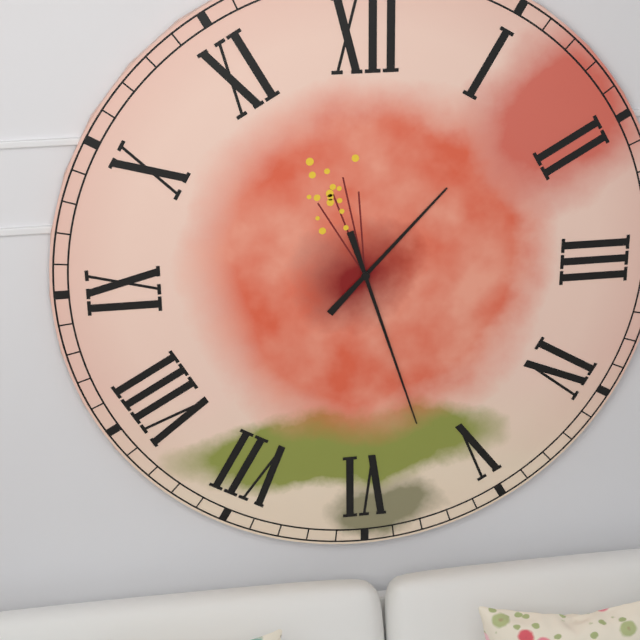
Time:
1:27
